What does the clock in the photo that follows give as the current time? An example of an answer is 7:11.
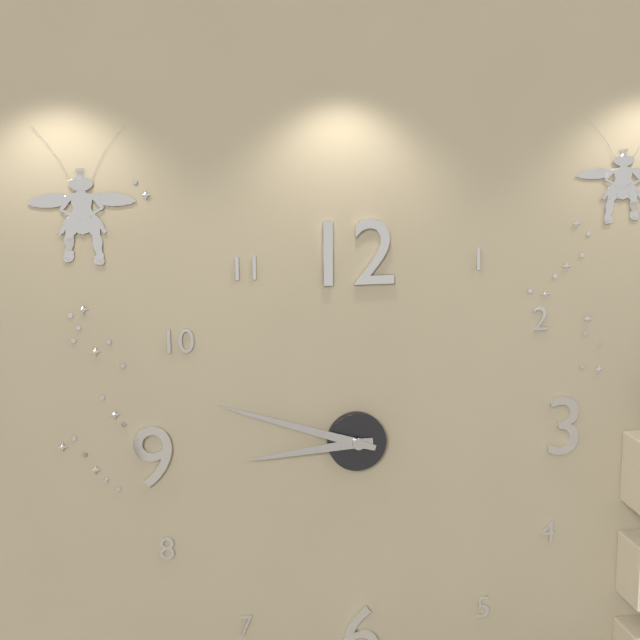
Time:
8:48
